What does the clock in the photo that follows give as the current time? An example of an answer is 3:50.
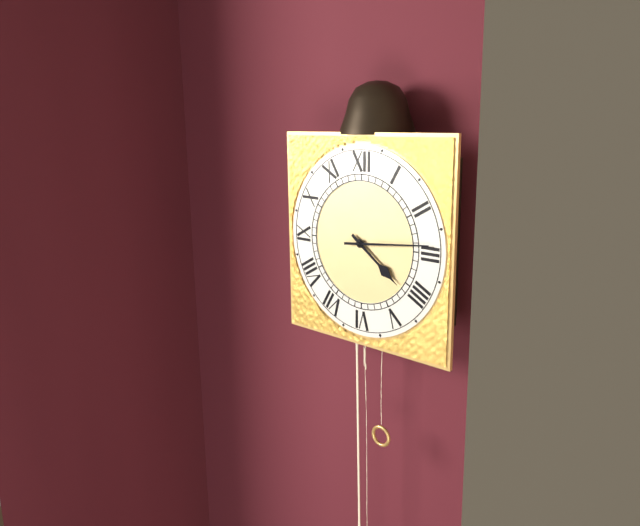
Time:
4:14
